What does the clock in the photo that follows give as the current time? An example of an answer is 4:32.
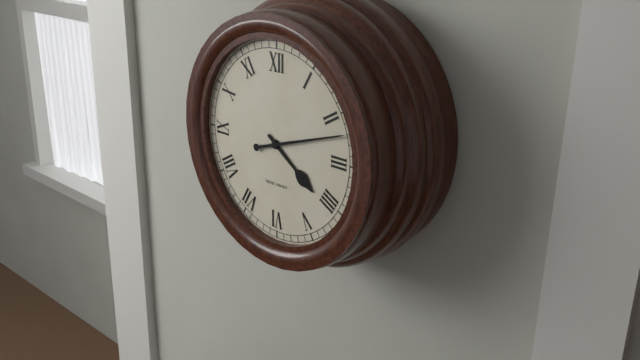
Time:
4:12
